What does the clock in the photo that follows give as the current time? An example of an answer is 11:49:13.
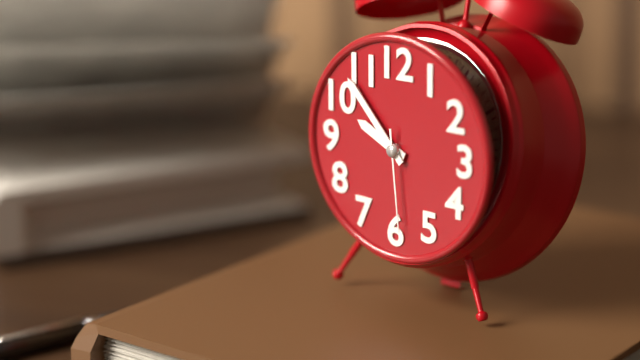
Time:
9:53:29
